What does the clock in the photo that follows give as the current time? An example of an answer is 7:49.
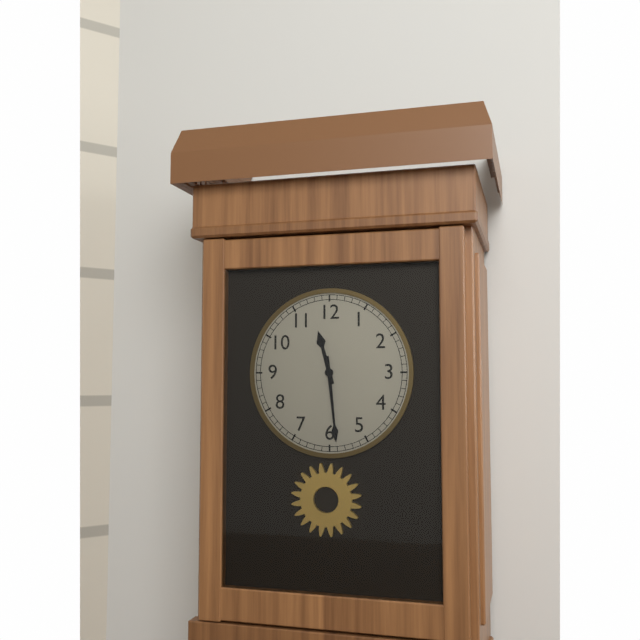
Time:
11:29
